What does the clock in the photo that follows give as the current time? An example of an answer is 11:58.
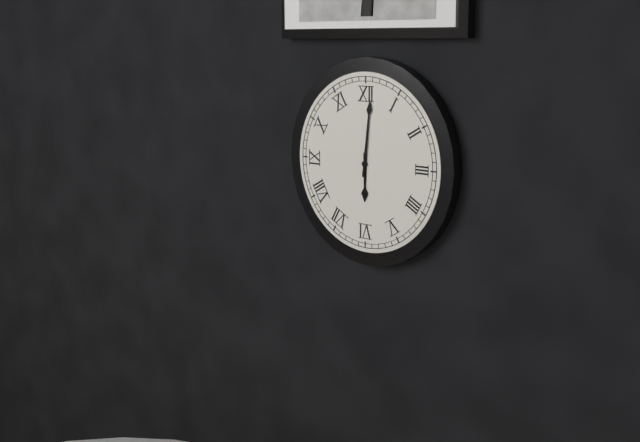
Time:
6:01
